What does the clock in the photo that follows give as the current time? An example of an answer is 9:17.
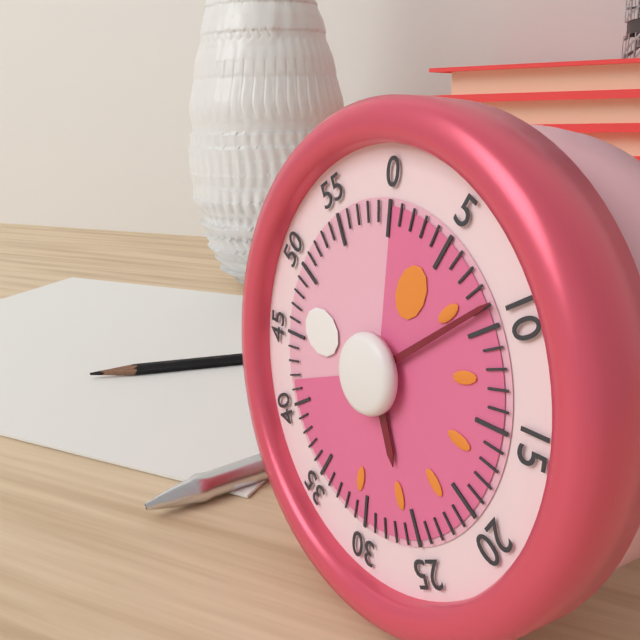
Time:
5:09
